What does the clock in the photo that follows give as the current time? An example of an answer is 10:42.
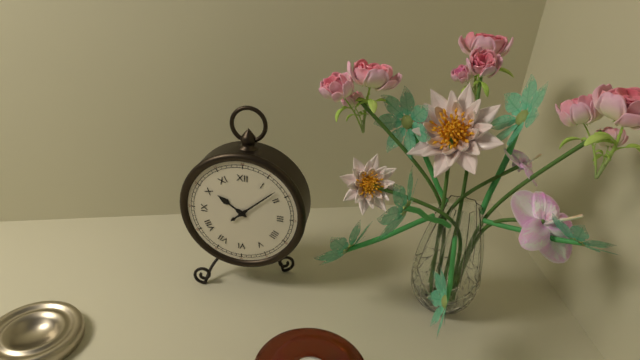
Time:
10:08
